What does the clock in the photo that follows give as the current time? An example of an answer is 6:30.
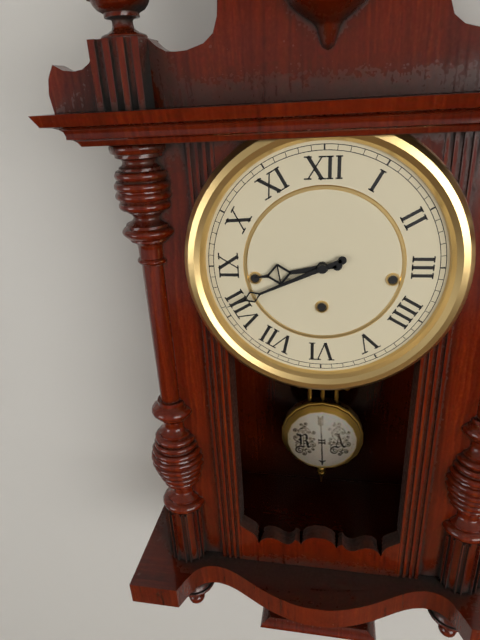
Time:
8:41
